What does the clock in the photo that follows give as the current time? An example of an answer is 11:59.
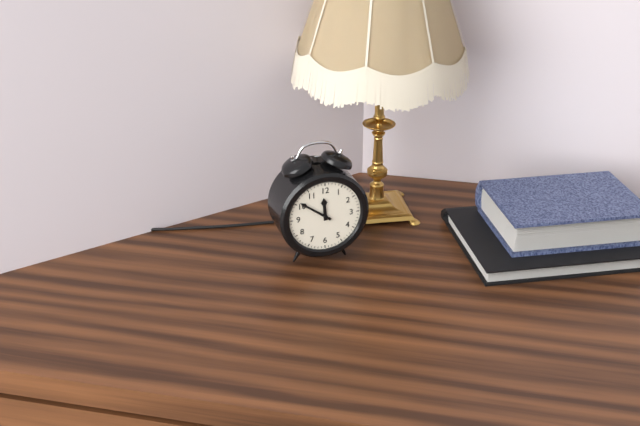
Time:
11:51
